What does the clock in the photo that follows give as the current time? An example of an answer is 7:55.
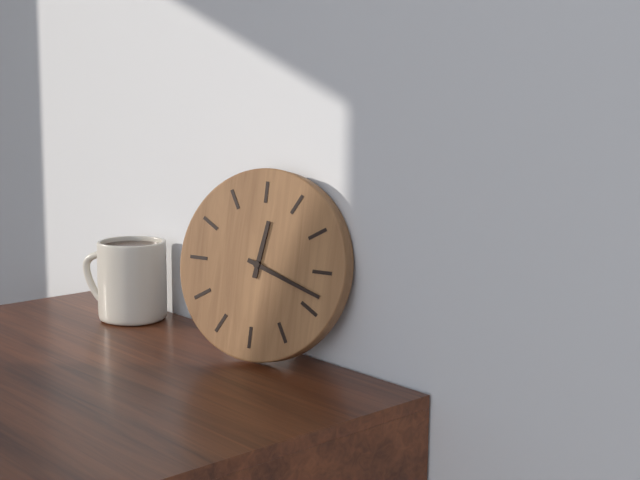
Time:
12:18
